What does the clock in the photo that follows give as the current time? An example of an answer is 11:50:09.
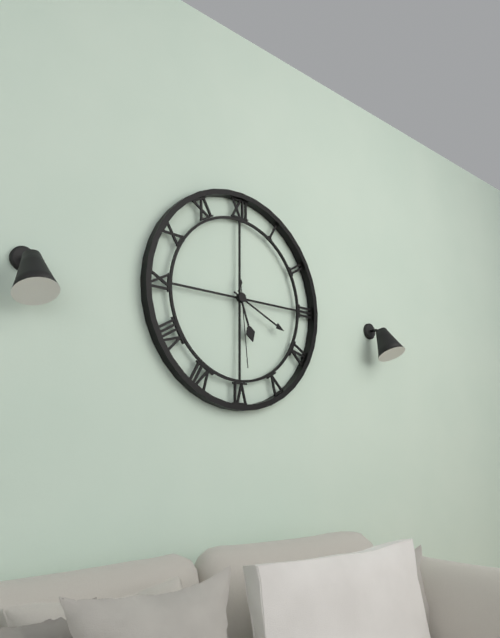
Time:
5:19:29
